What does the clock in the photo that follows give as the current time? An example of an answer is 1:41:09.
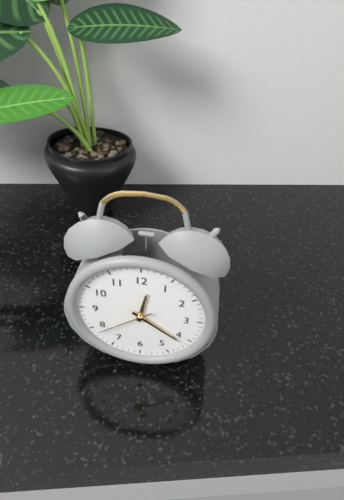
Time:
12:21:39
